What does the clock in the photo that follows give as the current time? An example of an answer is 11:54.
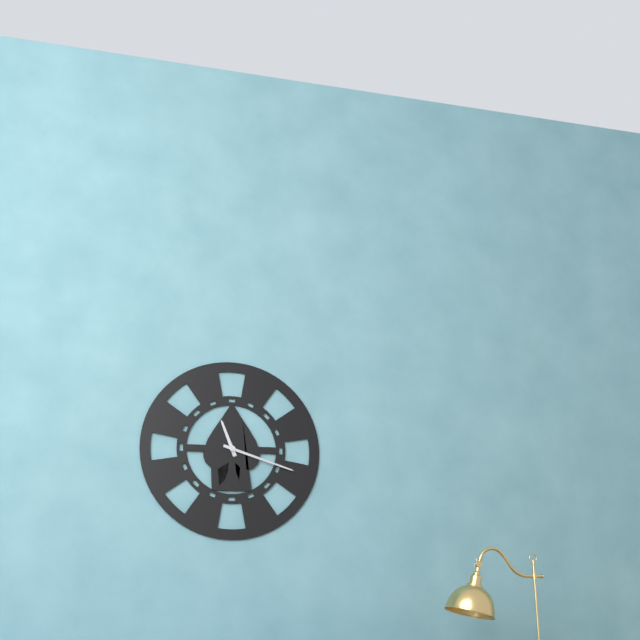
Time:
11:18
